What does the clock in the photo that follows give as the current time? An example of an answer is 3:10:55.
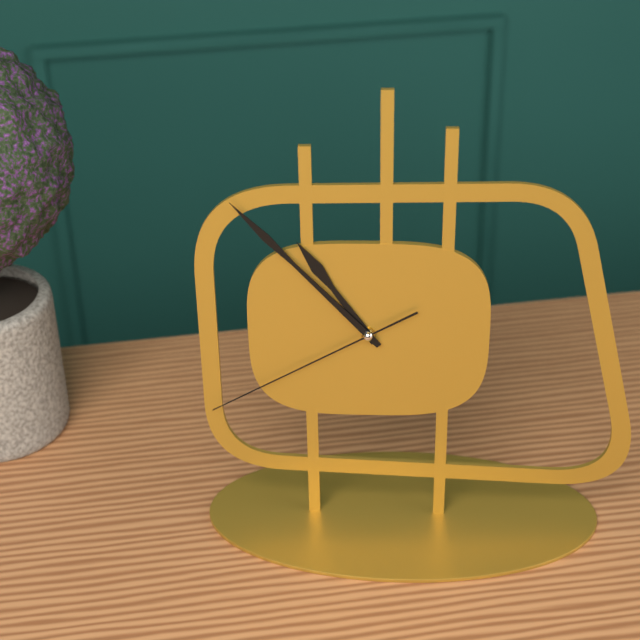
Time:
10:53:40
